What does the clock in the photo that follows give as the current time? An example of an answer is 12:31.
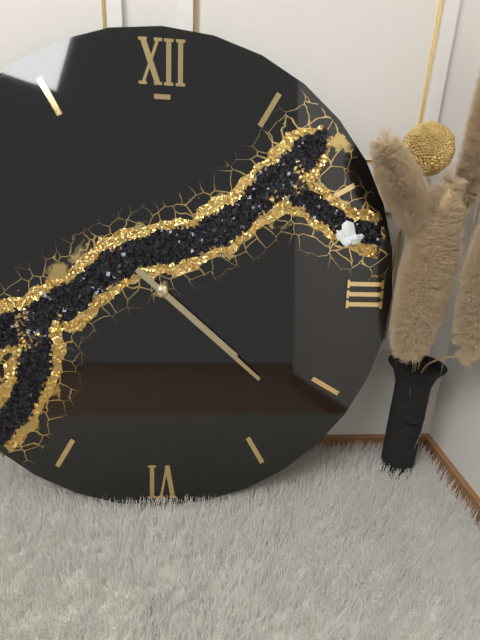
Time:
4:22
